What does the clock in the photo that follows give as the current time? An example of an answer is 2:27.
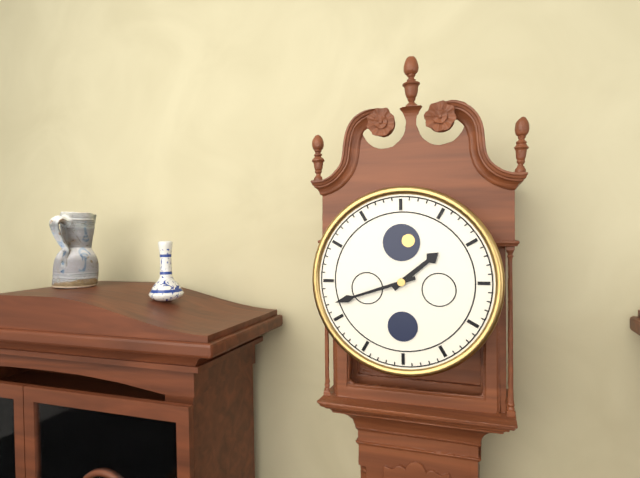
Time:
1:42
